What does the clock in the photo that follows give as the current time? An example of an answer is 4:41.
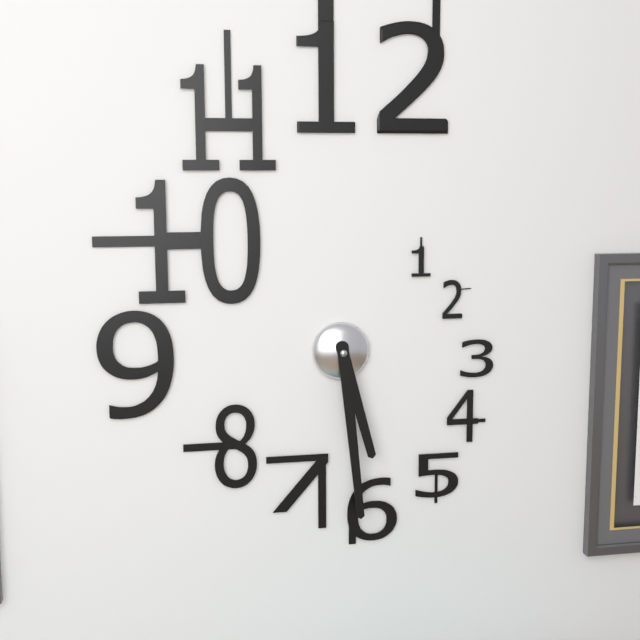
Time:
5:29
